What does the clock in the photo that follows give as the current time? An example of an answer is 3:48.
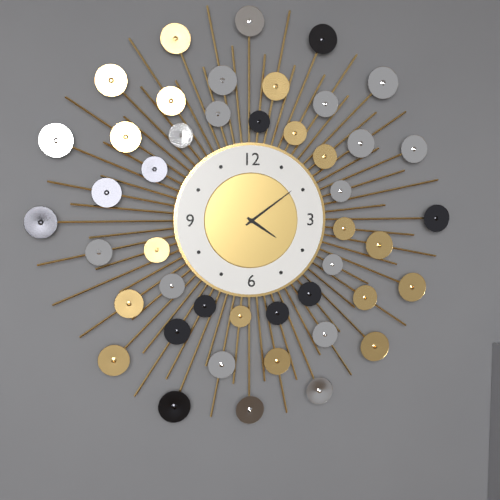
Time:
4:09
